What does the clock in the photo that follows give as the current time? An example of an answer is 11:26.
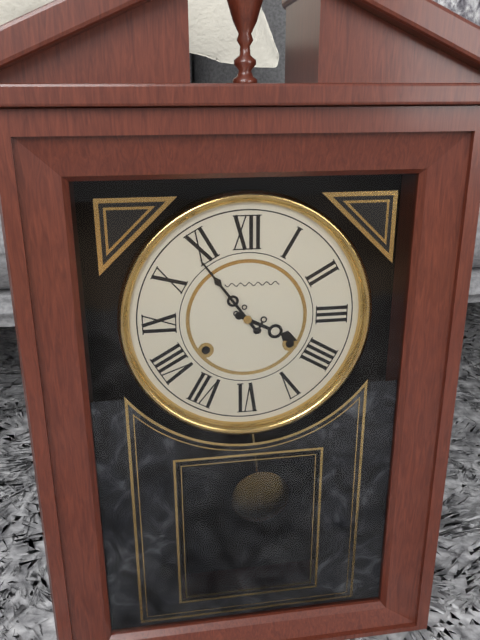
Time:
3:54
